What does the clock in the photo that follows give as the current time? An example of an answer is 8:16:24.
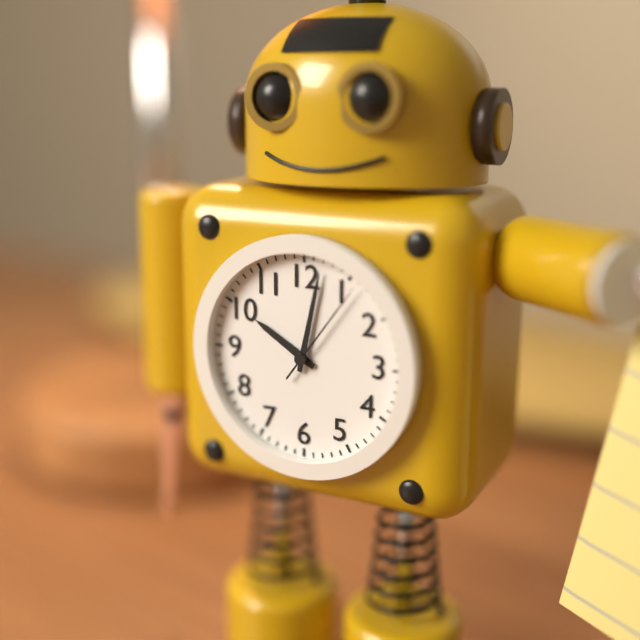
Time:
10:02:06
